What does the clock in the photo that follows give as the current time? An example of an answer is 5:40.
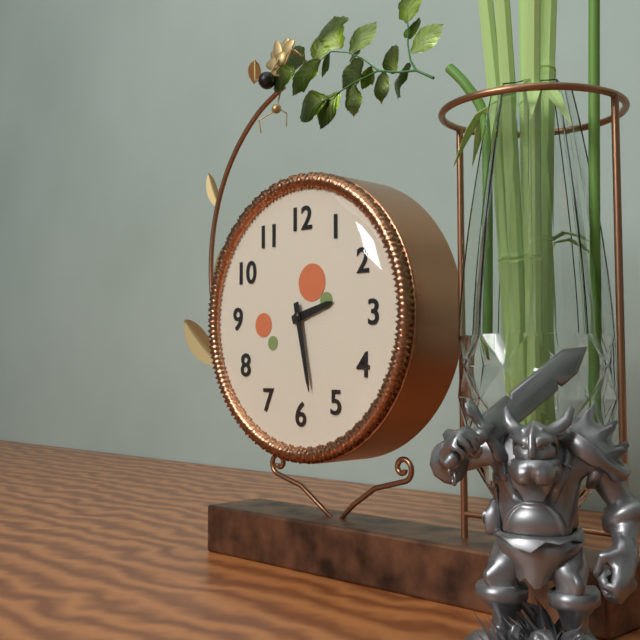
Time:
2:28
